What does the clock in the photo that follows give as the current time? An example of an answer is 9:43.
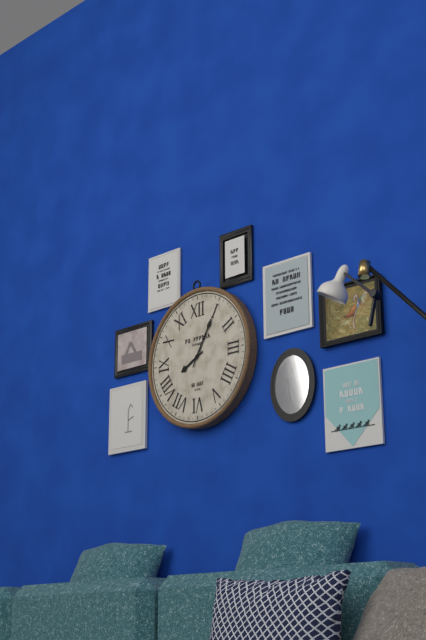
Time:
8:05
